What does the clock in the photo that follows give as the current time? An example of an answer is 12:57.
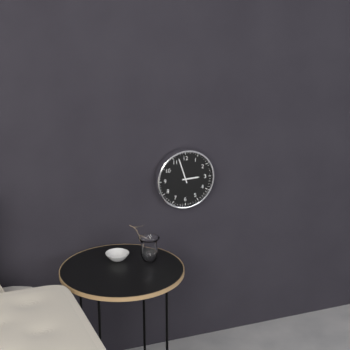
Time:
2:57
